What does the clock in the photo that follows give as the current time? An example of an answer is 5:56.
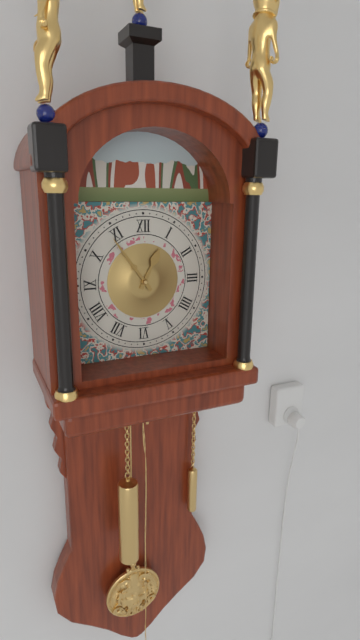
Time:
12:54
